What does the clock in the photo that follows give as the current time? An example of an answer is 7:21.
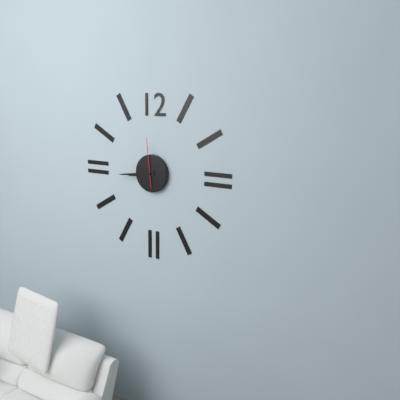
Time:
8:44
